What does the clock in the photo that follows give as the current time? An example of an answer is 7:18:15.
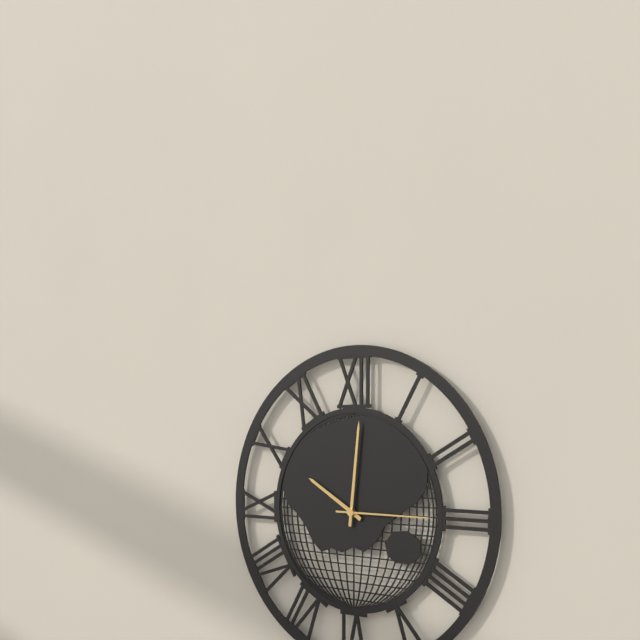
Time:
10:01:15
